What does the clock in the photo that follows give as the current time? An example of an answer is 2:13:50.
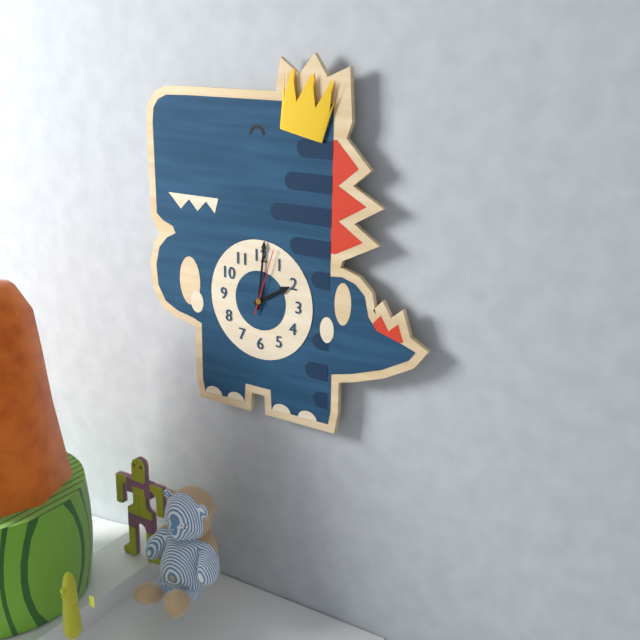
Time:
2:01:03
